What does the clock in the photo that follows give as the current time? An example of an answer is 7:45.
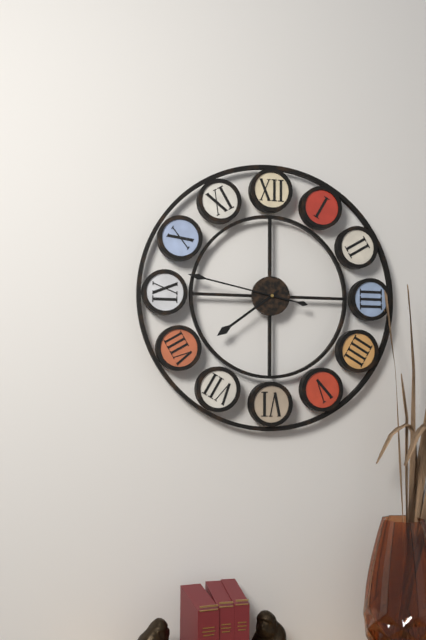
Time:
7:47
